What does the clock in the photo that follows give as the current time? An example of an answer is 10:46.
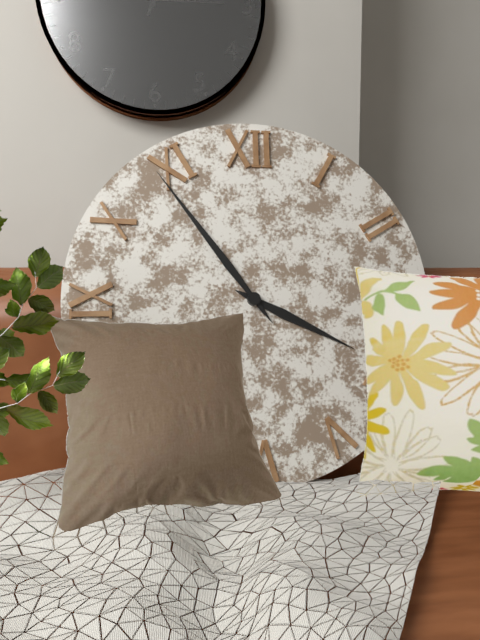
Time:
3:54
